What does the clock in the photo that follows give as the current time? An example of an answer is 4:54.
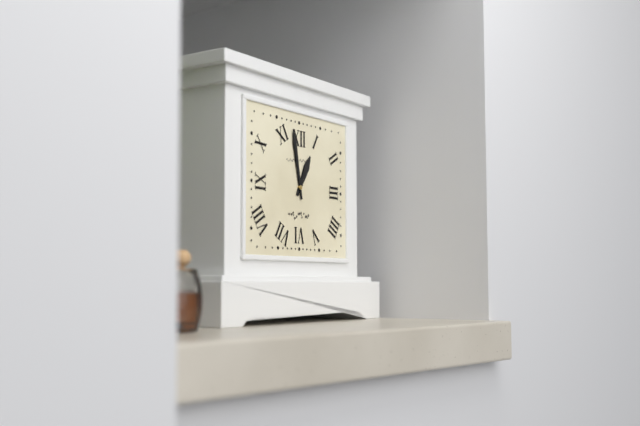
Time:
12:58
